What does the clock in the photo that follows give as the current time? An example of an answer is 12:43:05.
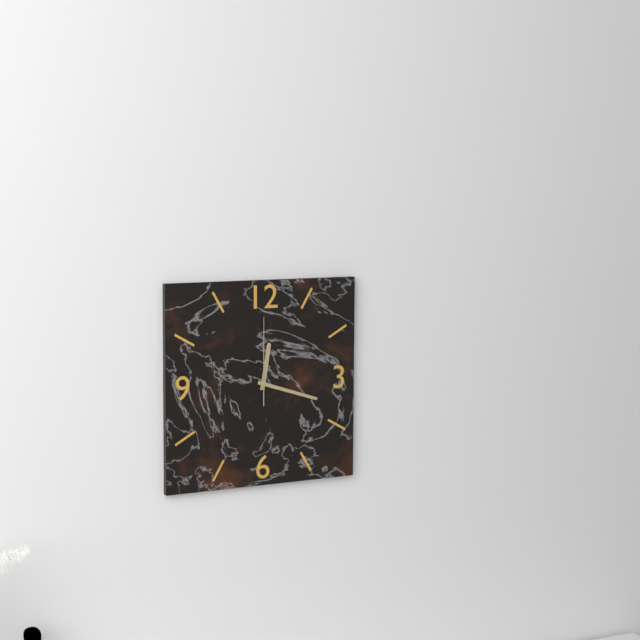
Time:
12:18:00
